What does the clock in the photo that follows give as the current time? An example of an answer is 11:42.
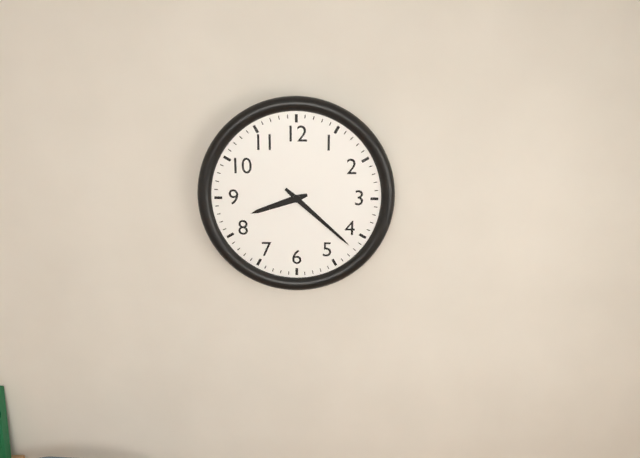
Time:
8:22
